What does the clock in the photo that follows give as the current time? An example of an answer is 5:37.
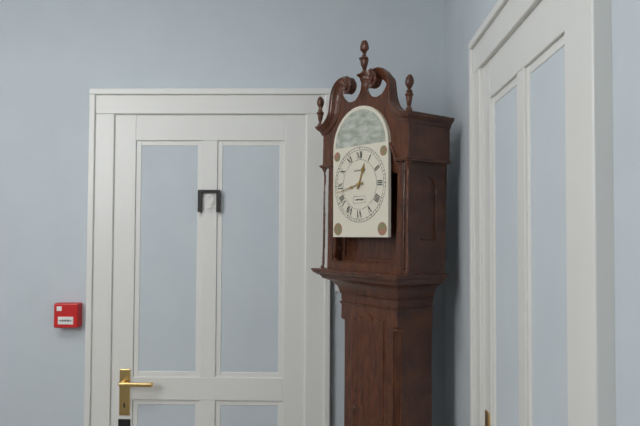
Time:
12:43
